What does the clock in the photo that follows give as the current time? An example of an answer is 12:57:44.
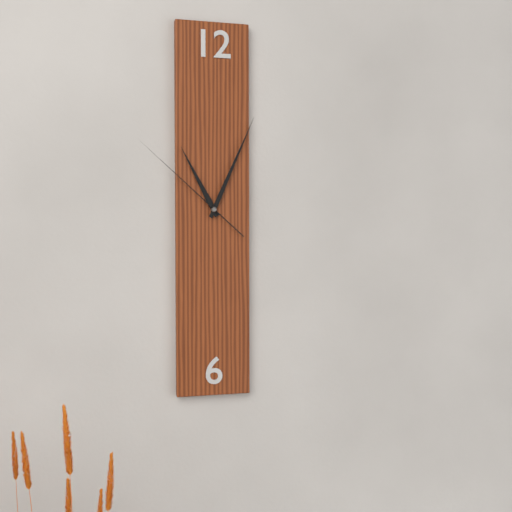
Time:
11:04:52
